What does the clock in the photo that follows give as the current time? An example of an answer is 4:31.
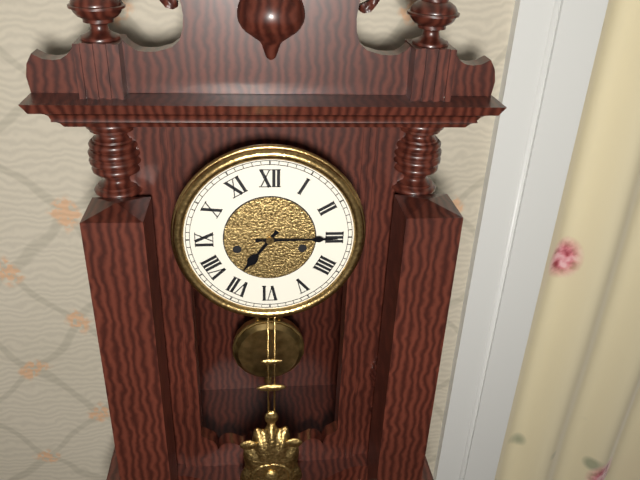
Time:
7:15
